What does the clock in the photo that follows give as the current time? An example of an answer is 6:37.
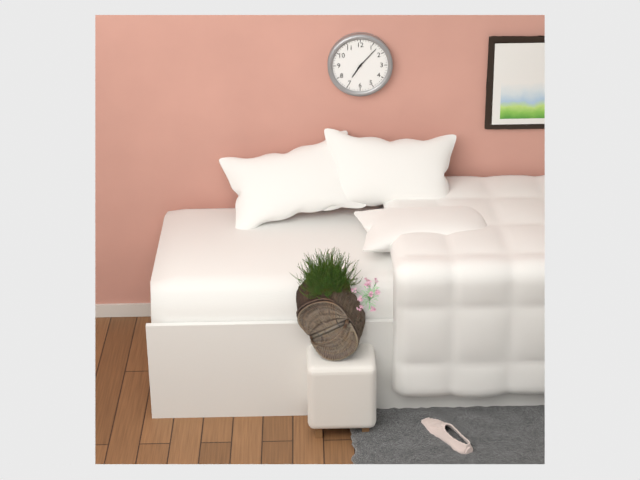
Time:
7:07
